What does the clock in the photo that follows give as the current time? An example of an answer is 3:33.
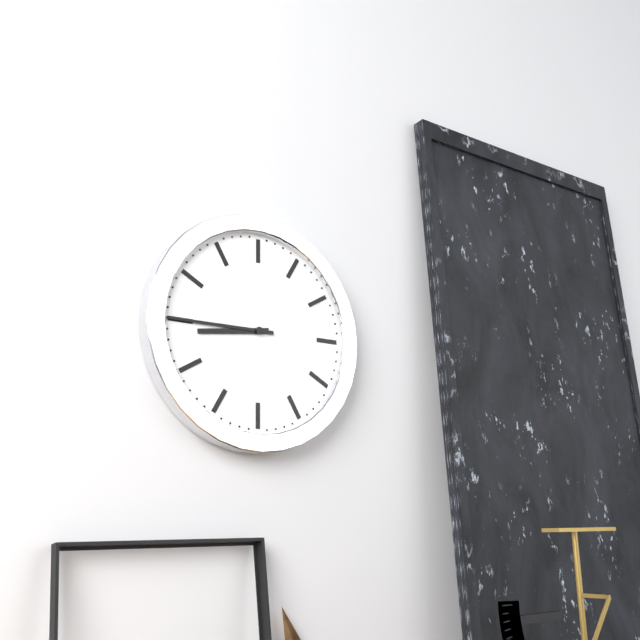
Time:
8:45
